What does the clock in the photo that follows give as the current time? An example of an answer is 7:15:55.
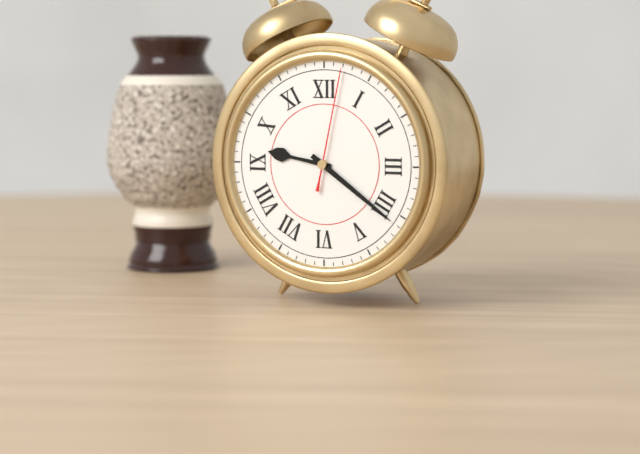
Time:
9:21:02
